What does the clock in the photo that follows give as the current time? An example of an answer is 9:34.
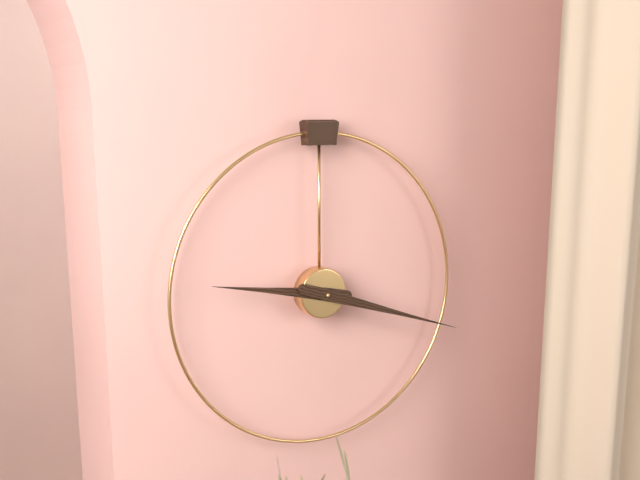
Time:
9:18
